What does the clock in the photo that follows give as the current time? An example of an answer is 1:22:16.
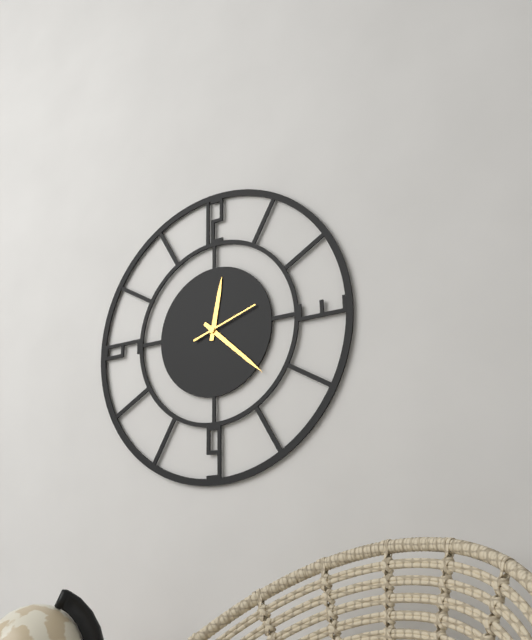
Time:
12:22:12
